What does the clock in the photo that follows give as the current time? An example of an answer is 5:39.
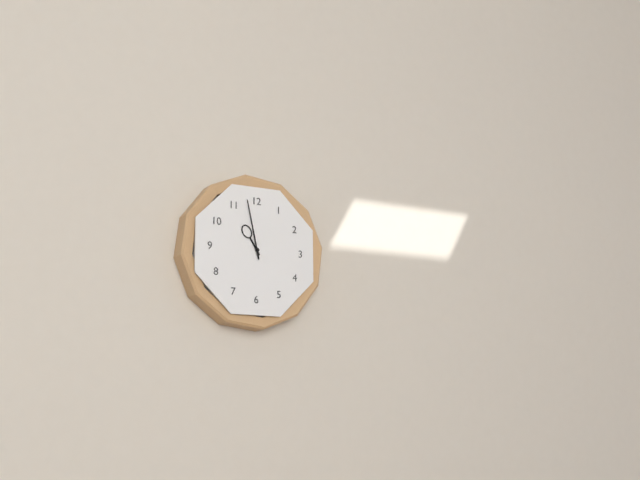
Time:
10:58
